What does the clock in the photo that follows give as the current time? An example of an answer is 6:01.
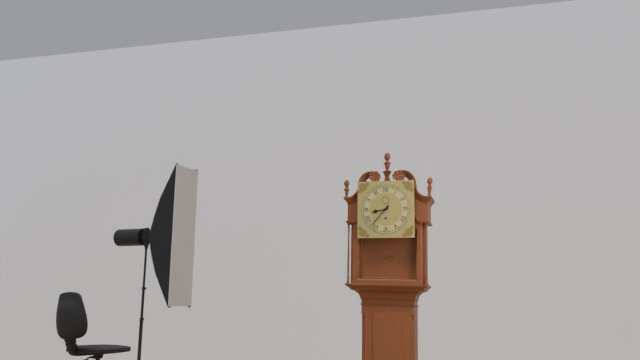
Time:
8:37
